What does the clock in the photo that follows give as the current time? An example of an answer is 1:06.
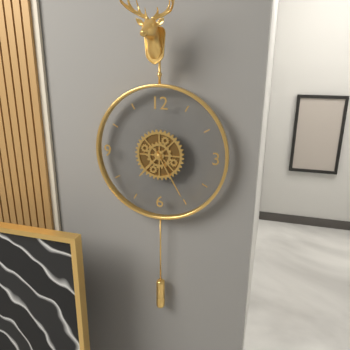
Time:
7:25
